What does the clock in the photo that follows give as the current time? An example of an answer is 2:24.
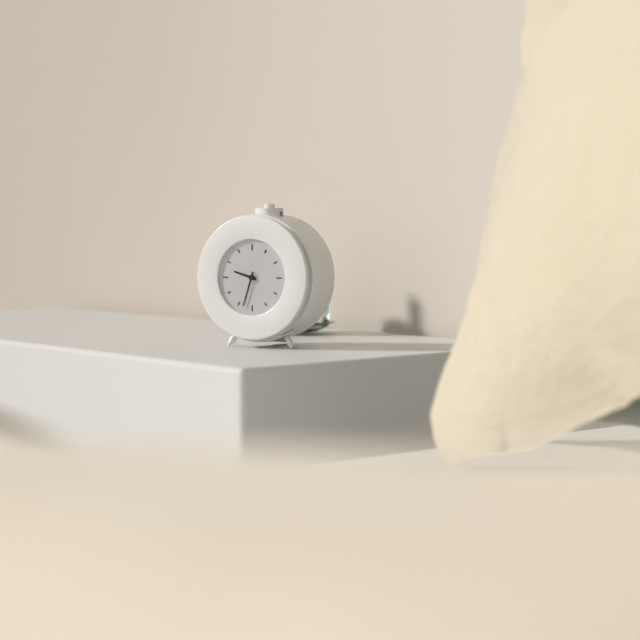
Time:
9:33
